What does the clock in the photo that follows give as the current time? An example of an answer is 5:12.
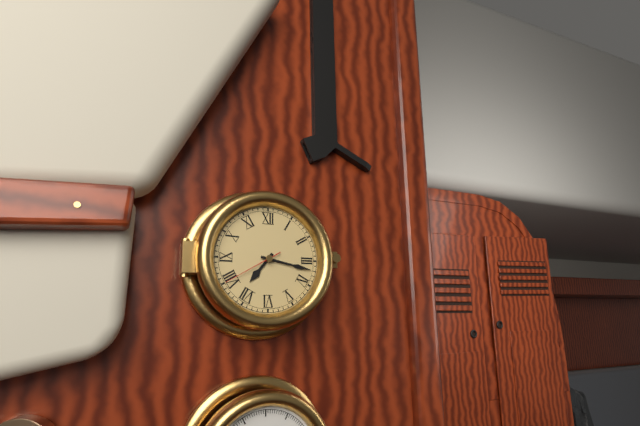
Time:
7:17
